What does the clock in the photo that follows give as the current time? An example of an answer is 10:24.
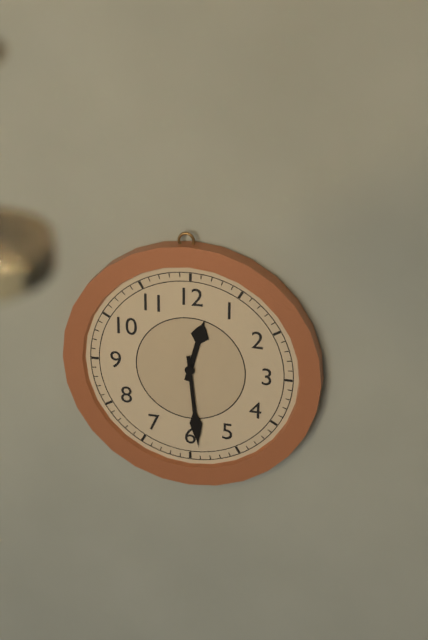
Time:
12:29
